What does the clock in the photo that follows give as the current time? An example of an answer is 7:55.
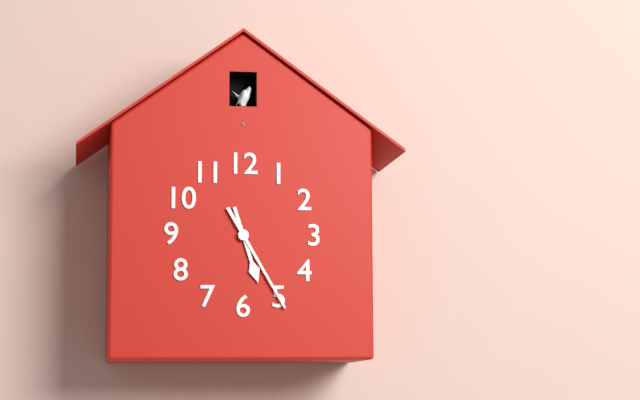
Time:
5:25
